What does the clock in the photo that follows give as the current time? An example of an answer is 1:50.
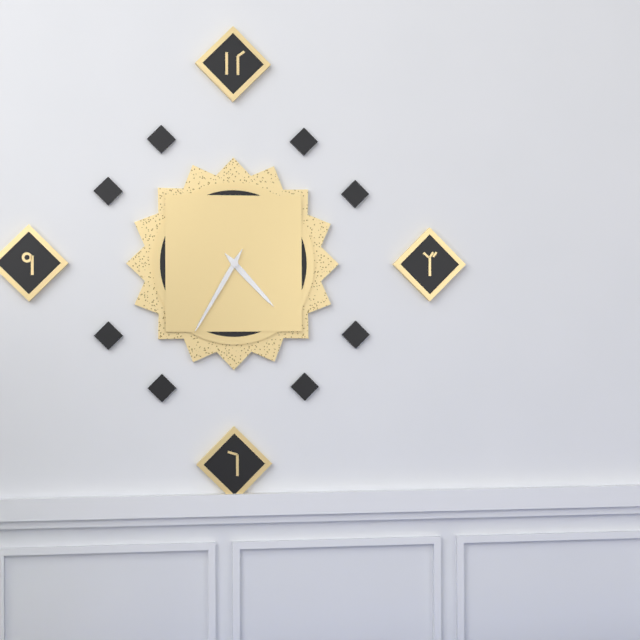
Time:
4:35
